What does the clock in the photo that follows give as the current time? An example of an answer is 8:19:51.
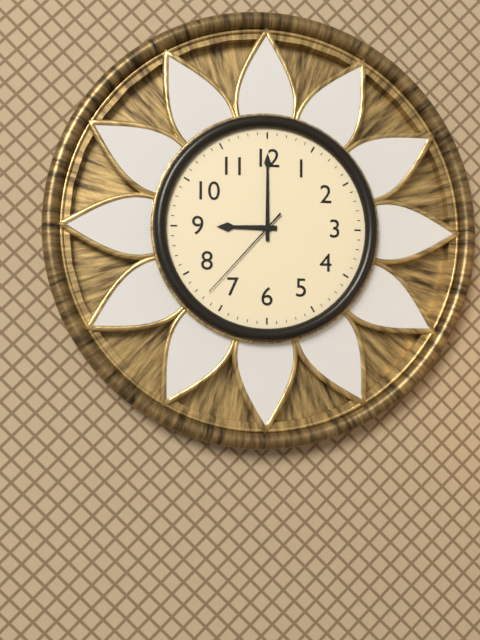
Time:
9:00:37
